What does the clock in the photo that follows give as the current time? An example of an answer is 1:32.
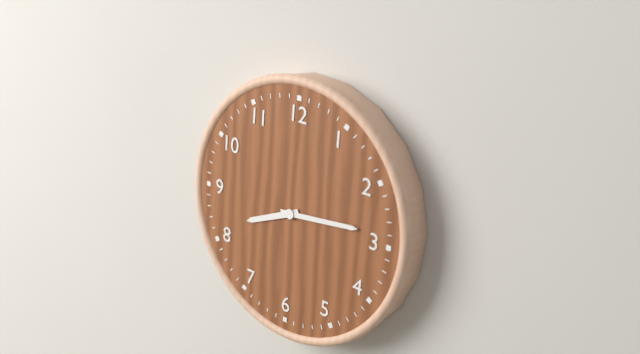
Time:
8:14
